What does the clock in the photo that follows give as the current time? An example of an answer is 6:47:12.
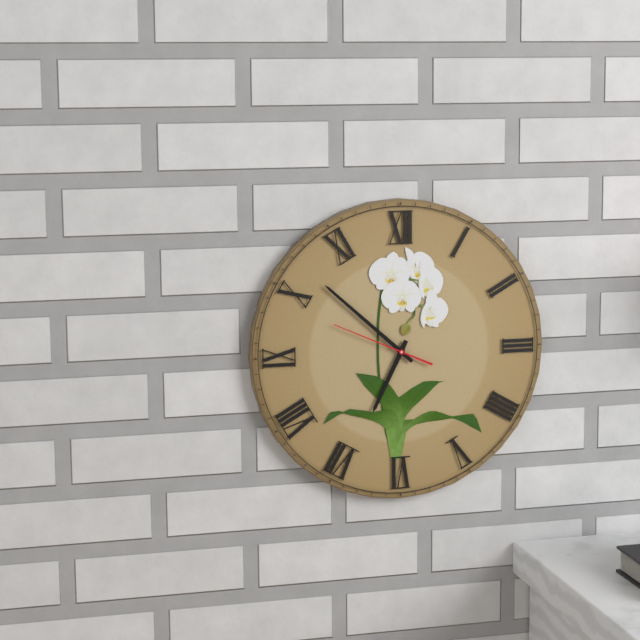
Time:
6:52:49
